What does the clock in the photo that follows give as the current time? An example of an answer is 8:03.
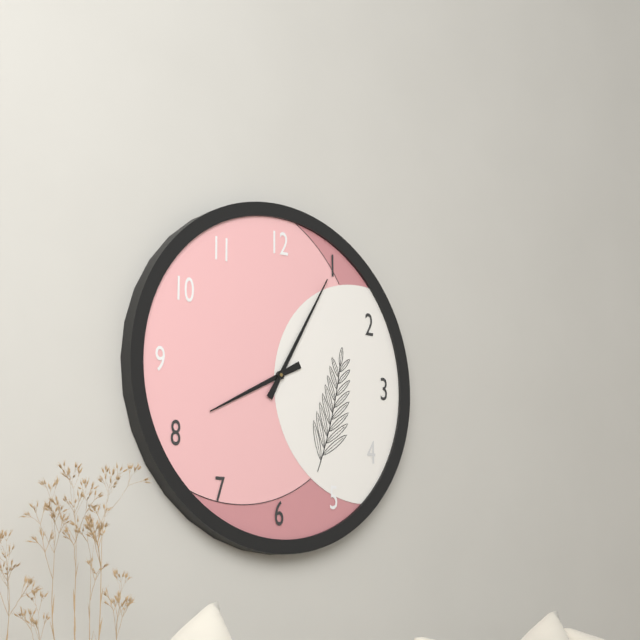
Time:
8:05
